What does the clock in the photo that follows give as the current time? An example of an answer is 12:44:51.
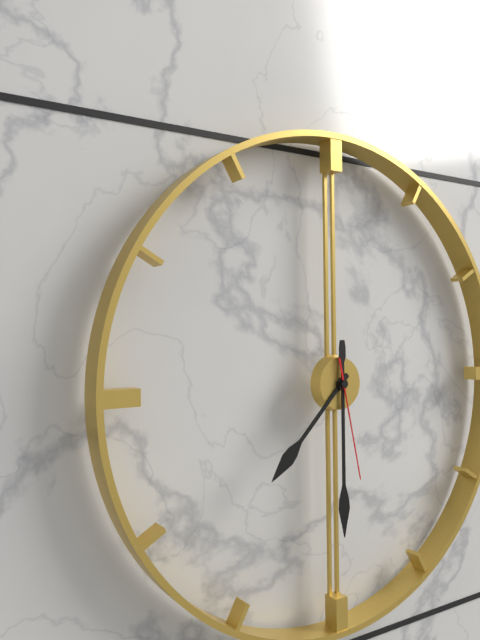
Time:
7:30:28
